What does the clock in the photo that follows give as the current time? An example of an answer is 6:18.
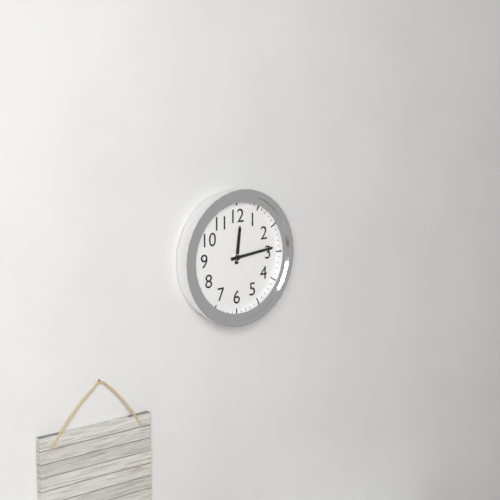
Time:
12:14
